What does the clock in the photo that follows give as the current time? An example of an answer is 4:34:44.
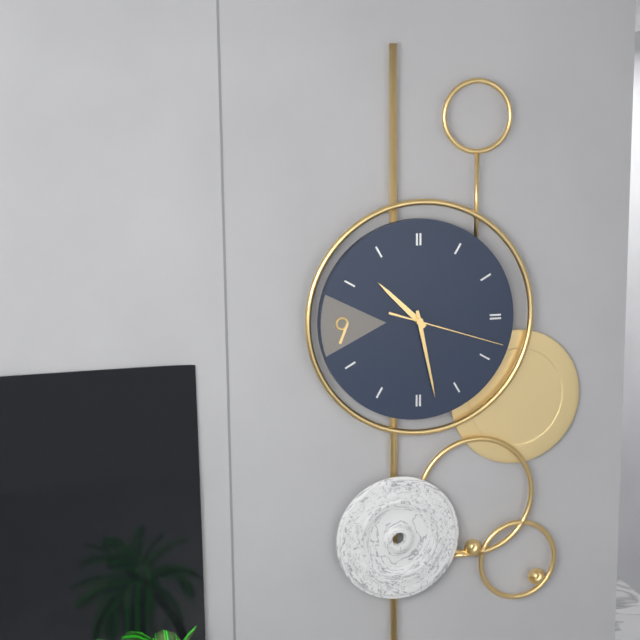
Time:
10:28:18
